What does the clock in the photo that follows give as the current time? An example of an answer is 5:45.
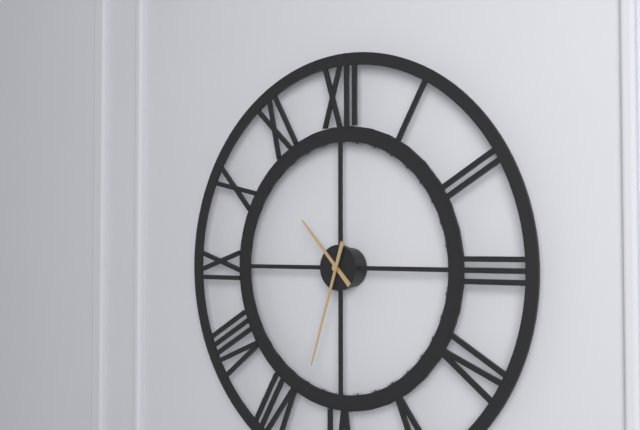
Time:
10:33
